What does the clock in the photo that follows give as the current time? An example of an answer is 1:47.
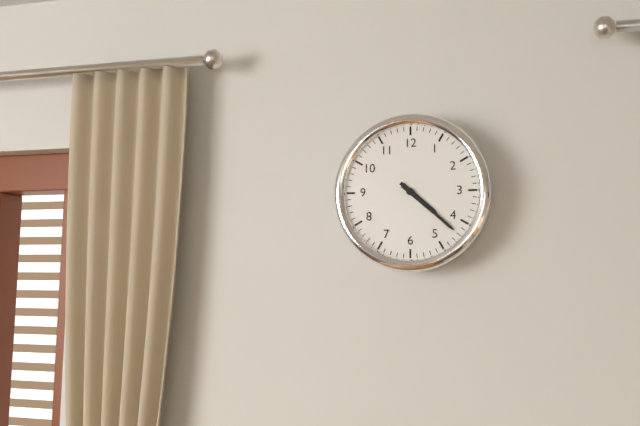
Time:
4:22
